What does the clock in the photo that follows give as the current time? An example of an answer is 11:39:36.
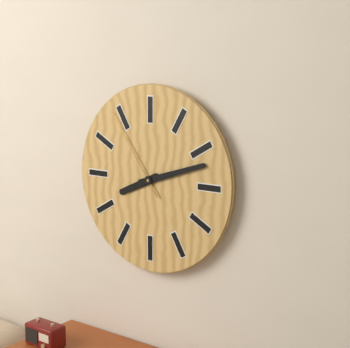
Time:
8:12:54
